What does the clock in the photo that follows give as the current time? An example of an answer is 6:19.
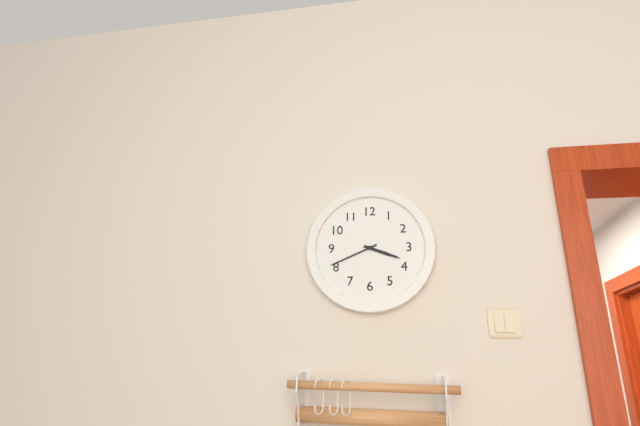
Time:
3:41
